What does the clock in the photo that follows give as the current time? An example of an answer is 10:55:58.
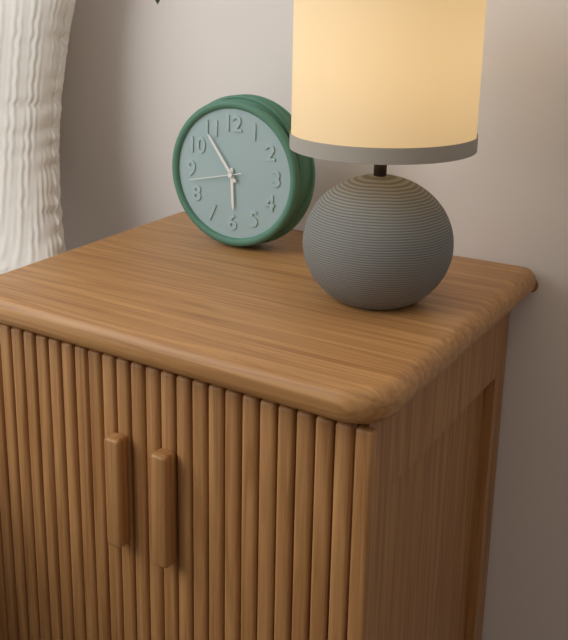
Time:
5:54:43
